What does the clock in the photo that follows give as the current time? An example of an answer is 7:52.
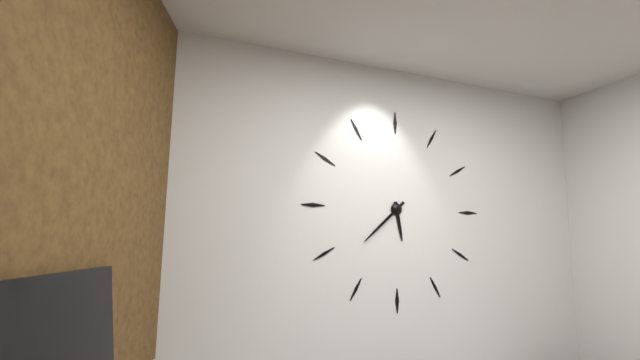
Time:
5:38
